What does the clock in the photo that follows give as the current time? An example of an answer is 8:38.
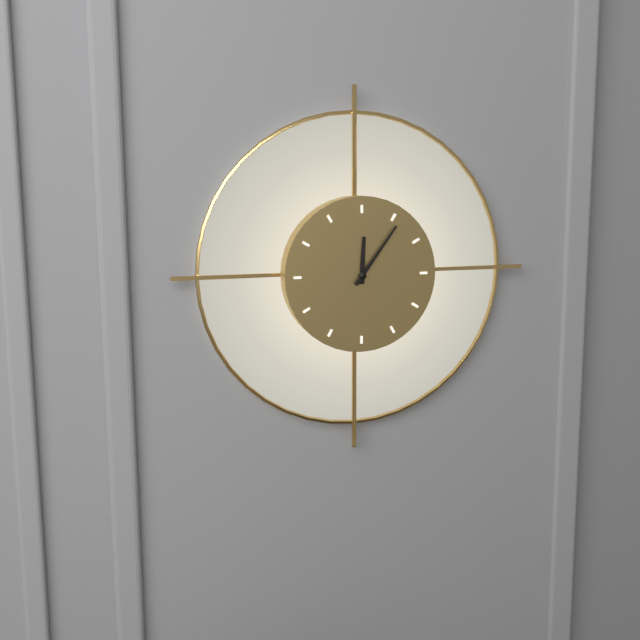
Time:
12:06
